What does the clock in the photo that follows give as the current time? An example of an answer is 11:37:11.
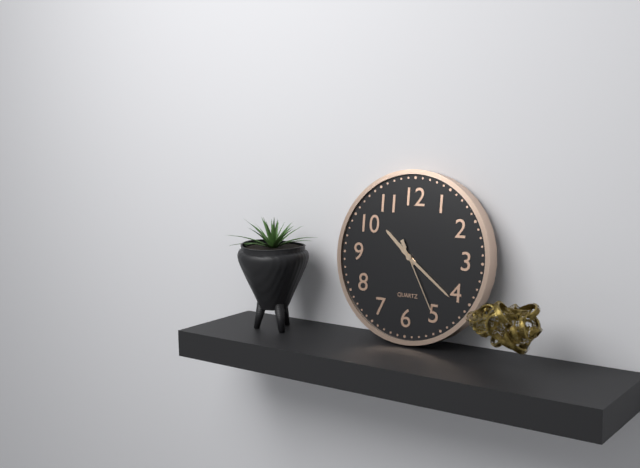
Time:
10:21:25
